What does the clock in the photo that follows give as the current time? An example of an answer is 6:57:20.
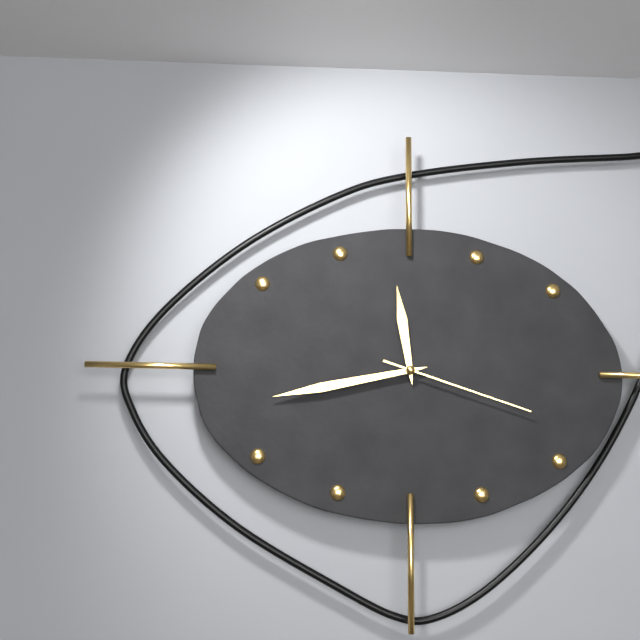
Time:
11:43:18
